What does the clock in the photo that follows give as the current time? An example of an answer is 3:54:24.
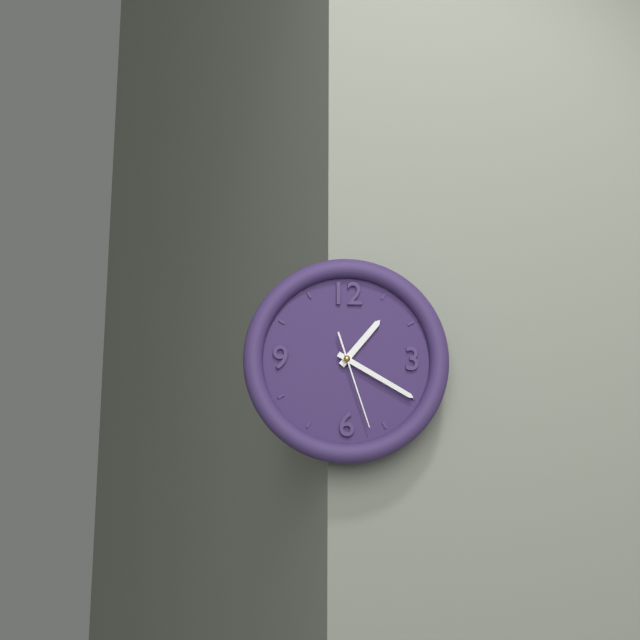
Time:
1:20:27
